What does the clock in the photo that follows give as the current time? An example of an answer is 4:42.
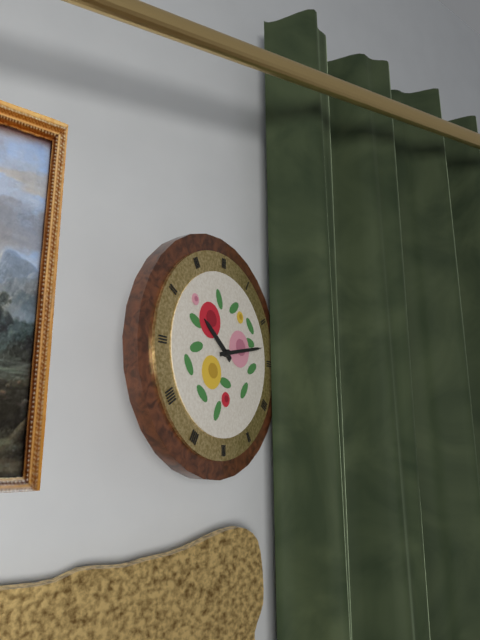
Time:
10:13
